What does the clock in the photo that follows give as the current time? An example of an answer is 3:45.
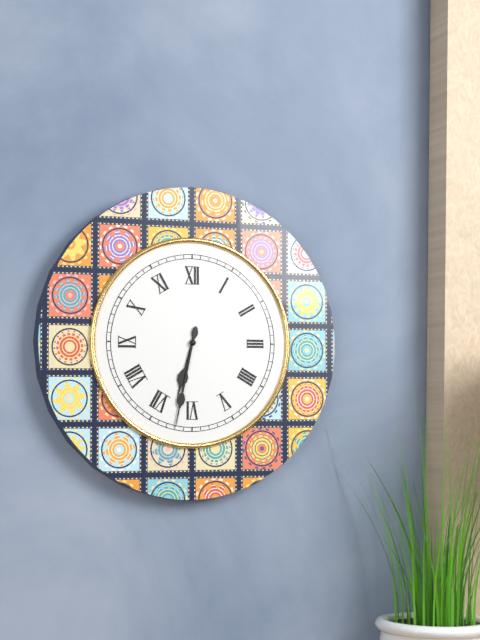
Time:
6:32
